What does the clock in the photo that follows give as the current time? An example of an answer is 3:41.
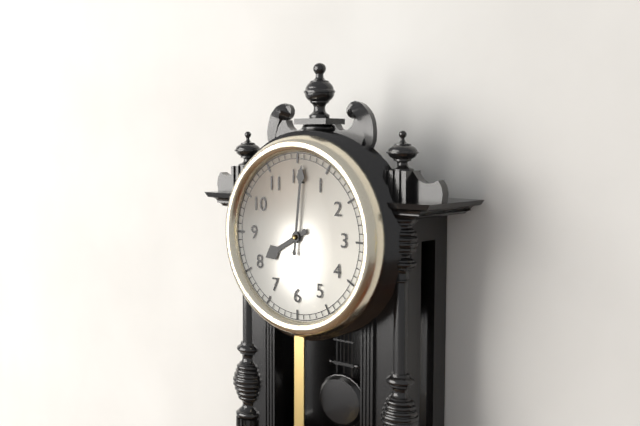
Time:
8:01
